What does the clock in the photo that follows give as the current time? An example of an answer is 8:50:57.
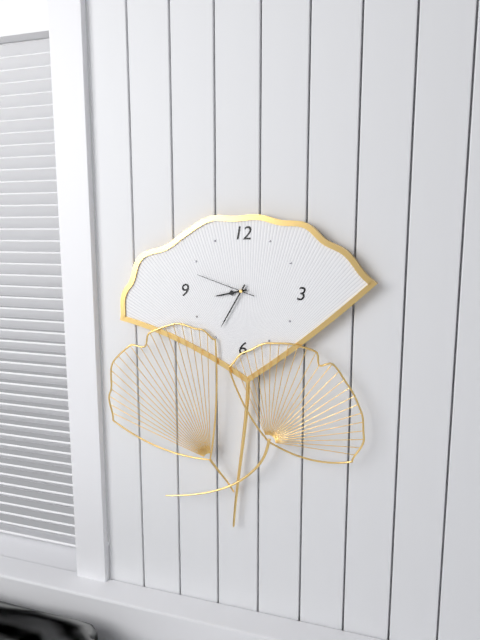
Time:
8:35:48
